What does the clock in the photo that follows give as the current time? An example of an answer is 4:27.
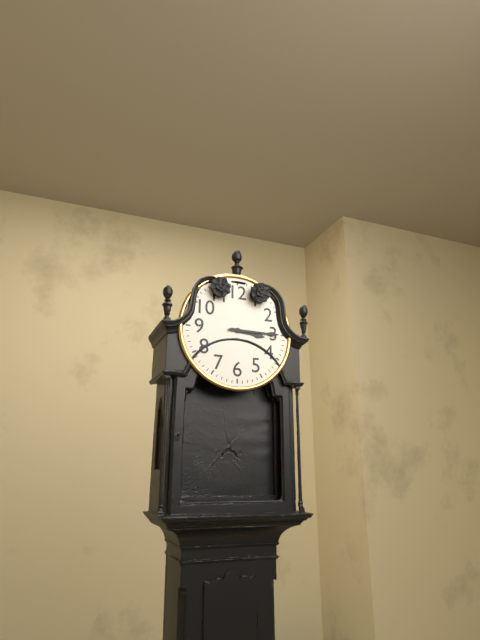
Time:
3:15
